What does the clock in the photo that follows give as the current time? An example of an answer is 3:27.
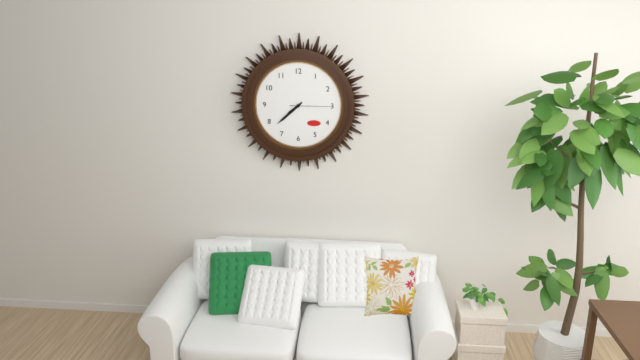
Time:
7:38
